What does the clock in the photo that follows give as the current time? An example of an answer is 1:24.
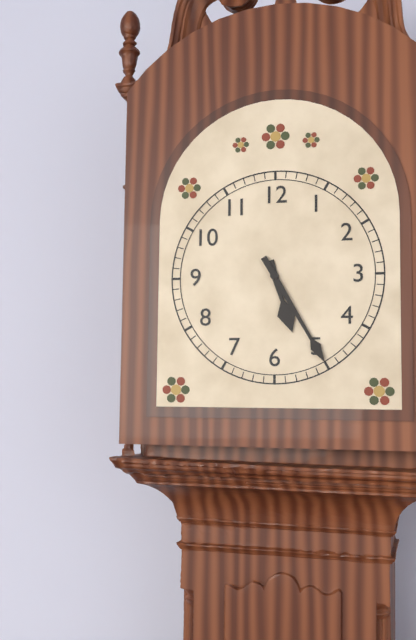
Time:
5:25
